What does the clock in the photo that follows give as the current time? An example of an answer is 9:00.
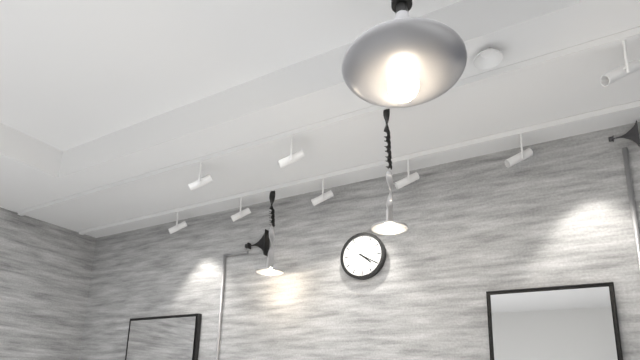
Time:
4:20
